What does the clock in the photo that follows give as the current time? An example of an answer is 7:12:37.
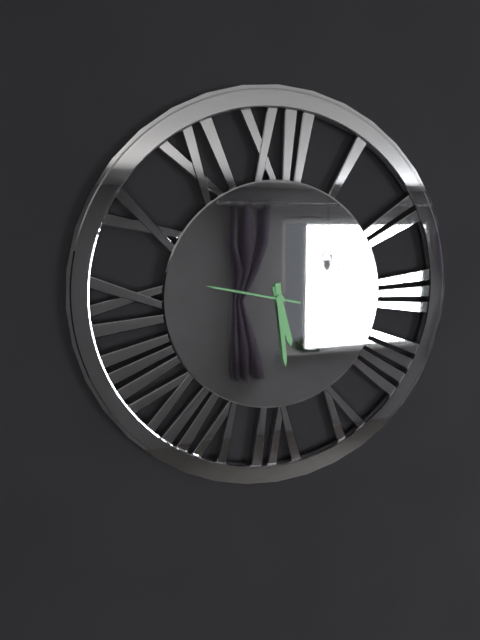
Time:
5:29:47
